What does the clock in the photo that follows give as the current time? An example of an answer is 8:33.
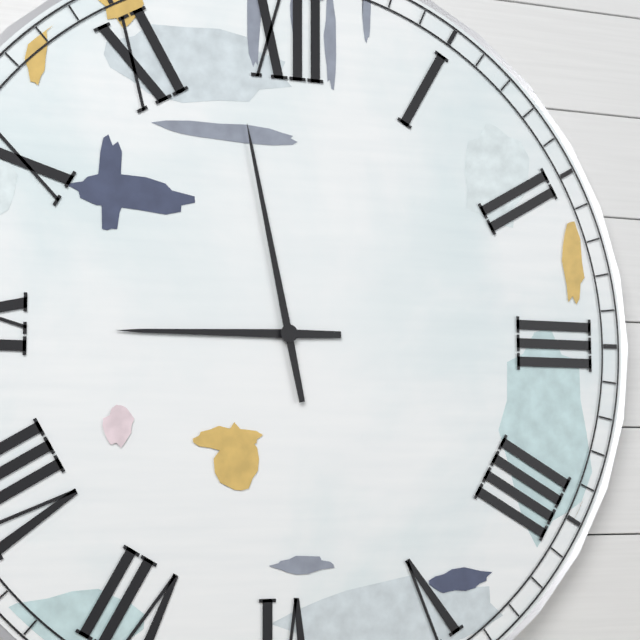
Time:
8:58
